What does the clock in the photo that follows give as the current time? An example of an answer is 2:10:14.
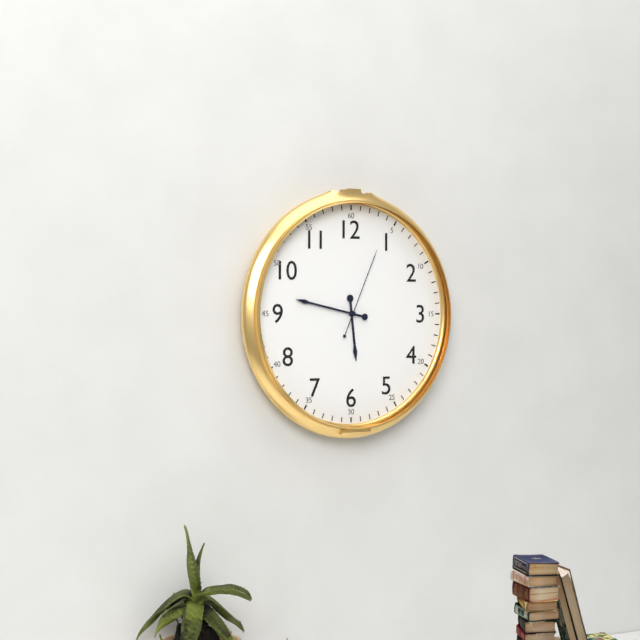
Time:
5:47:04
